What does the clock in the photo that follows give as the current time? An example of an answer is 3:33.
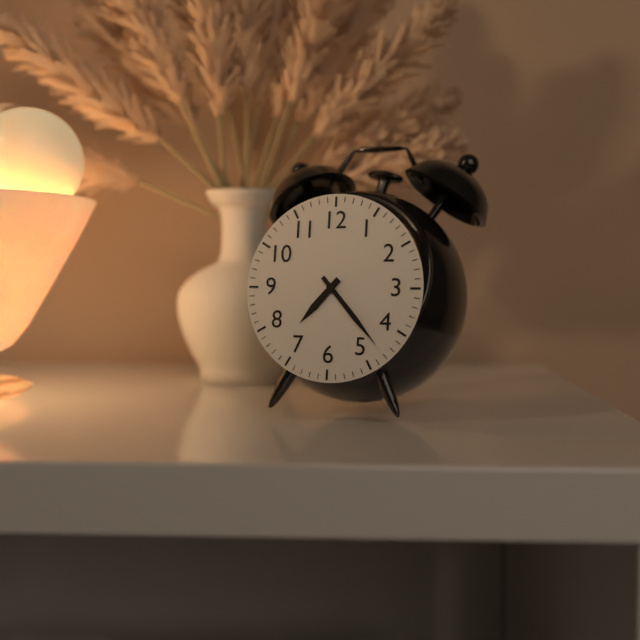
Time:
7:23
